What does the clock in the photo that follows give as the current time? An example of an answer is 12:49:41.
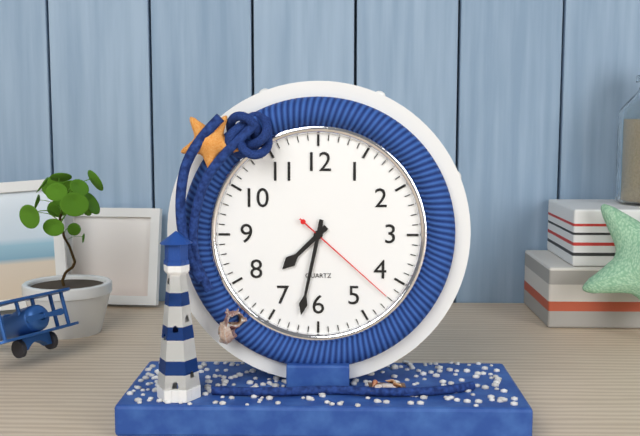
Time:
7:32:22
